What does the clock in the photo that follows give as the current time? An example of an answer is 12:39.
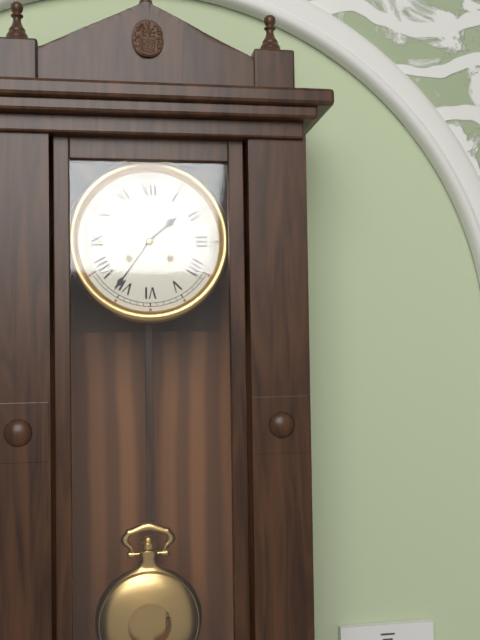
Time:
1:36
